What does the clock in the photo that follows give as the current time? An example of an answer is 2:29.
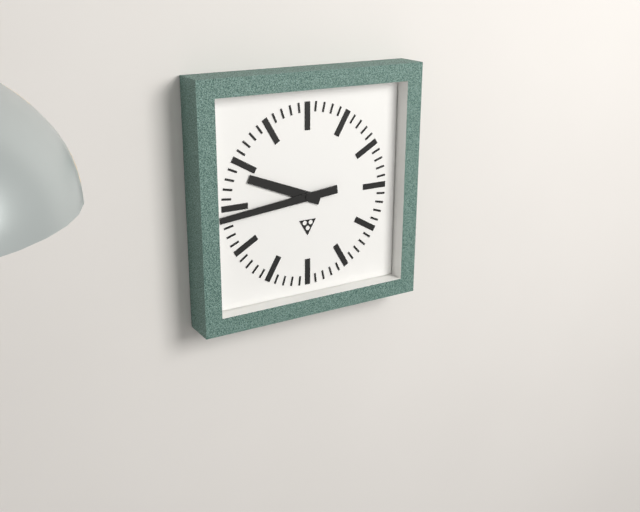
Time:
9:44
